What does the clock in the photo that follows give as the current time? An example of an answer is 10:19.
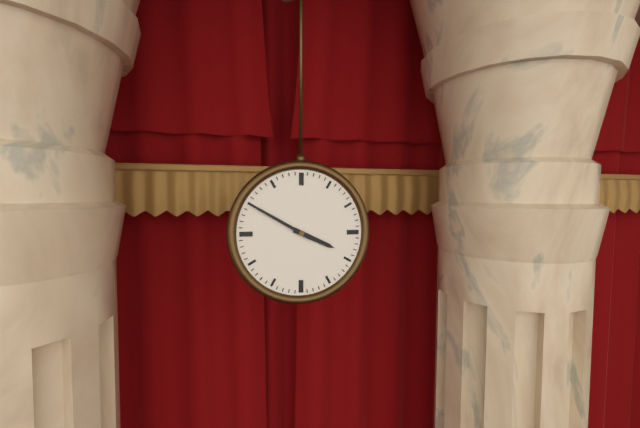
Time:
3:50
